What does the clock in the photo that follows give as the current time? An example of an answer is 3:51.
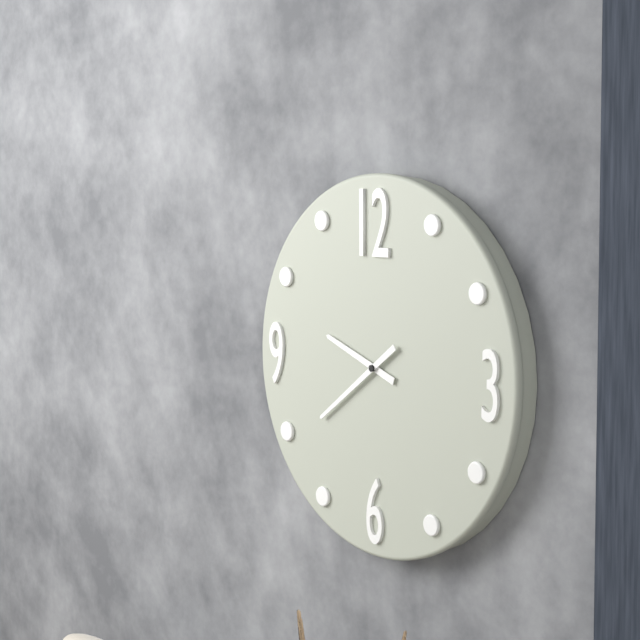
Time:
9:39
